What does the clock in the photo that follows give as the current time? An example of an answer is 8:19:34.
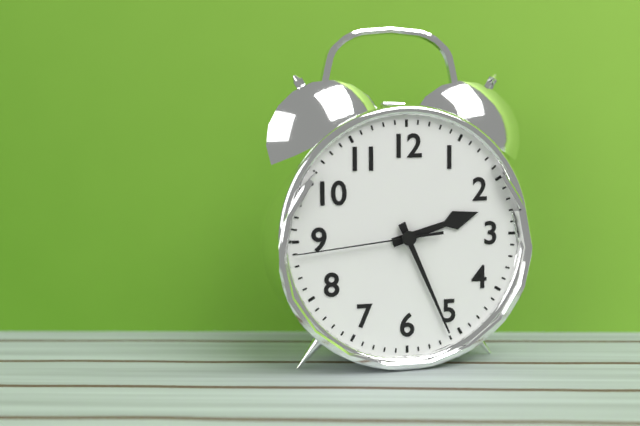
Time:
2:26:44
